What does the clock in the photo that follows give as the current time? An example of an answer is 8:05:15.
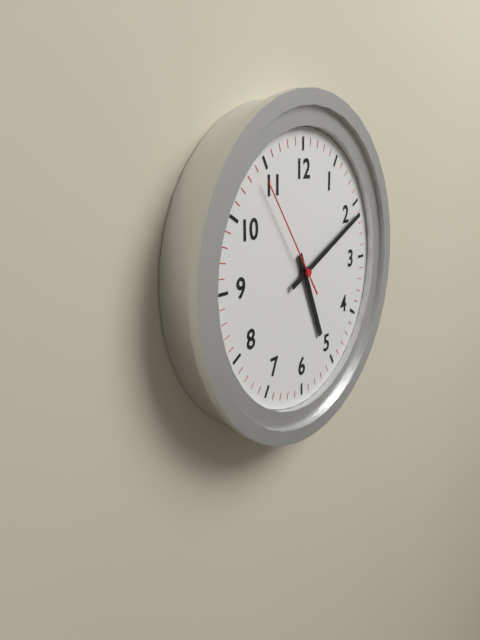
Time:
5:11:54
